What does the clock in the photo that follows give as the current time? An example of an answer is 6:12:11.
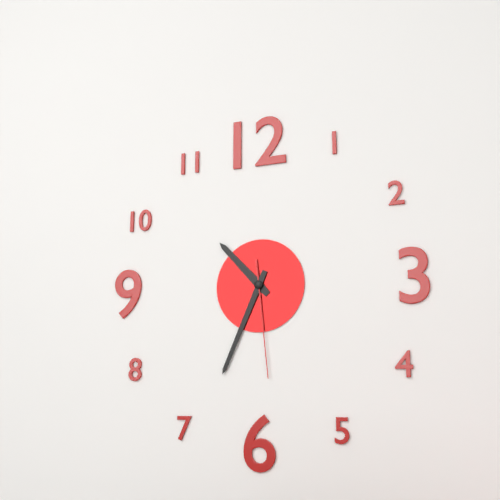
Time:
10:34:29
